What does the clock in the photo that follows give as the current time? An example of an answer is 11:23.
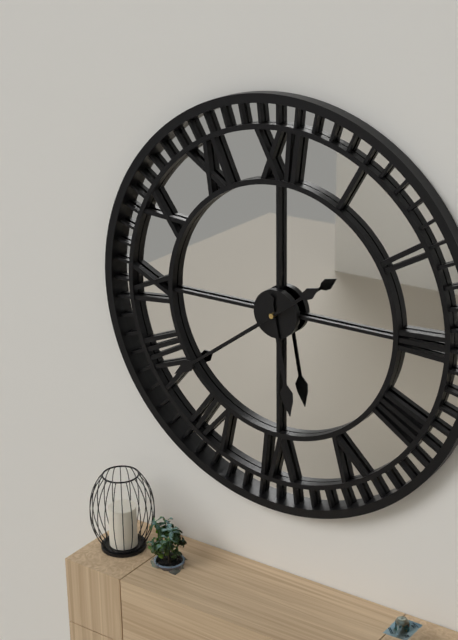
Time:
5:39
